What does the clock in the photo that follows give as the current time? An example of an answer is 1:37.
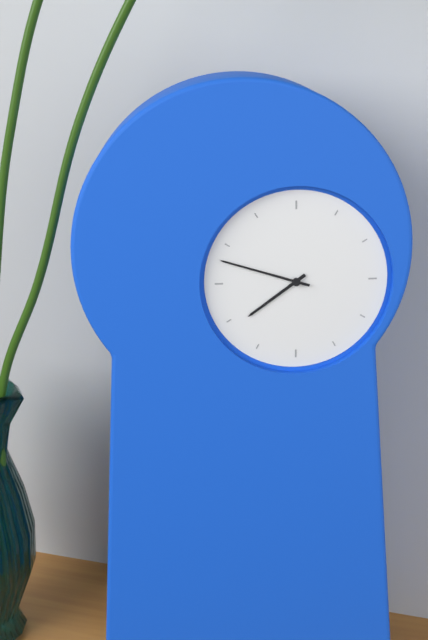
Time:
7:48
